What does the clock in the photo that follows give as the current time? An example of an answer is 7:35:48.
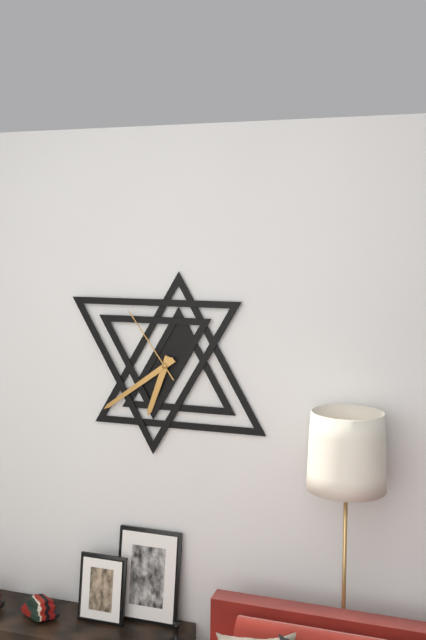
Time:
6:39:54
